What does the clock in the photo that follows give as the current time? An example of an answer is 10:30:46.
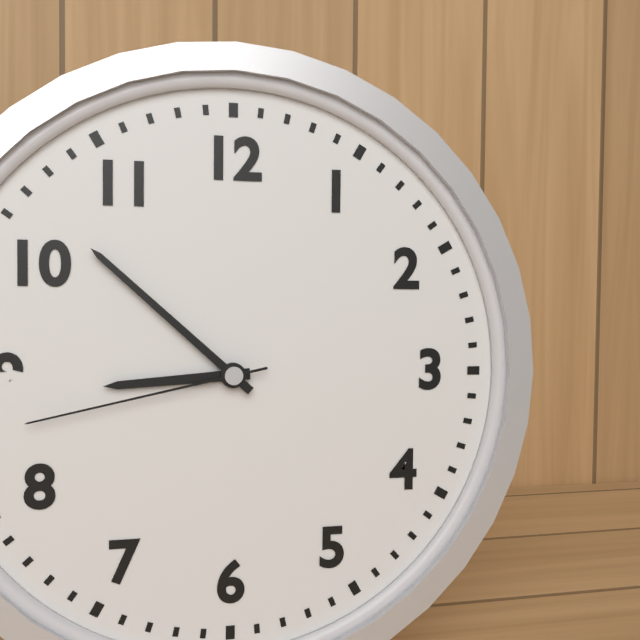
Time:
8:52:43
